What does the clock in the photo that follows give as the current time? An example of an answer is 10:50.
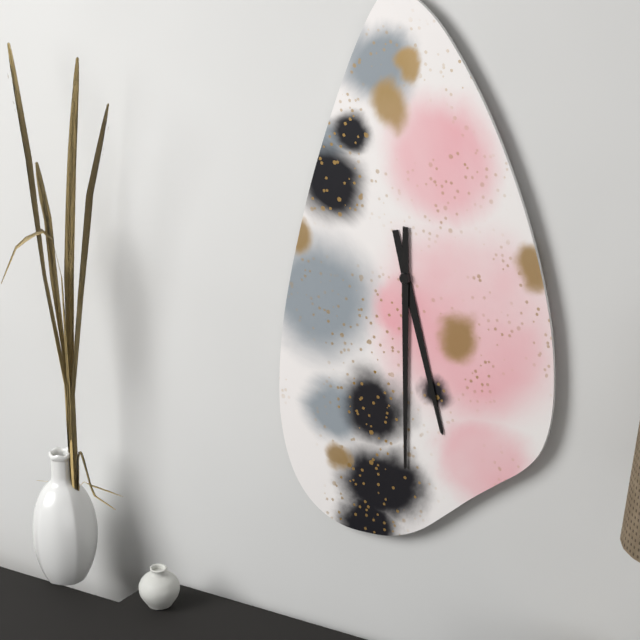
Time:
5:30
